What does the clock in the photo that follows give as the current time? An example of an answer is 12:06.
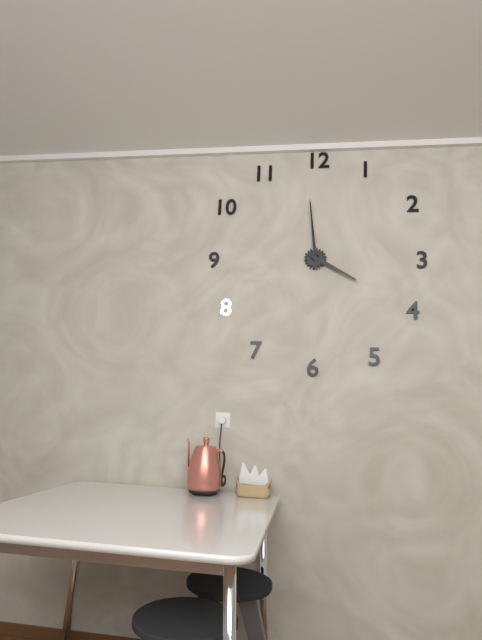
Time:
3:59
